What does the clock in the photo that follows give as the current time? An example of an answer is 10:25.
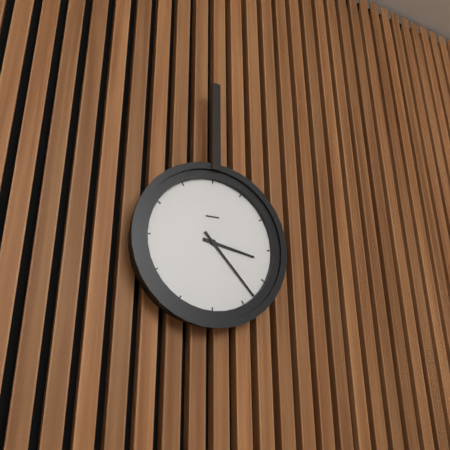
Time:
3:23
